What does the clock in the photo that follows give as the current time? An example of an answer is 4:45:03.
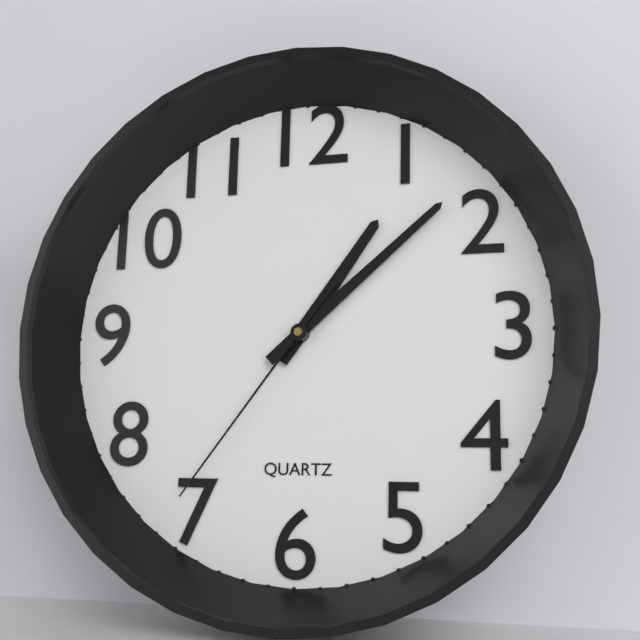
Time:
1:08:36
